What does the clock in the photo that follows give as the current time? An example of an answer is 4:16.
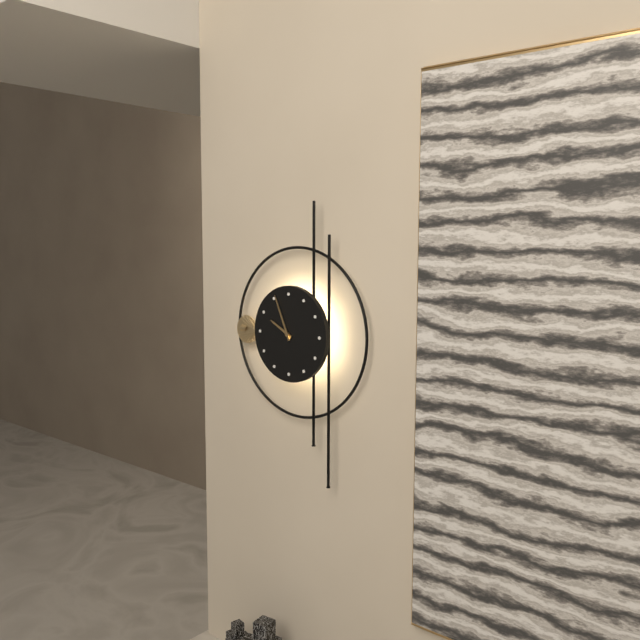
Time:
9:56
